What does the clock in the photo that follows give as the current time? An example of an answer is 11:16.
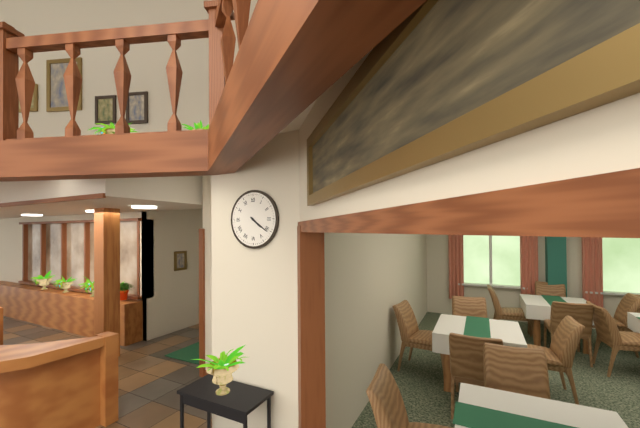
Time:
4:21
